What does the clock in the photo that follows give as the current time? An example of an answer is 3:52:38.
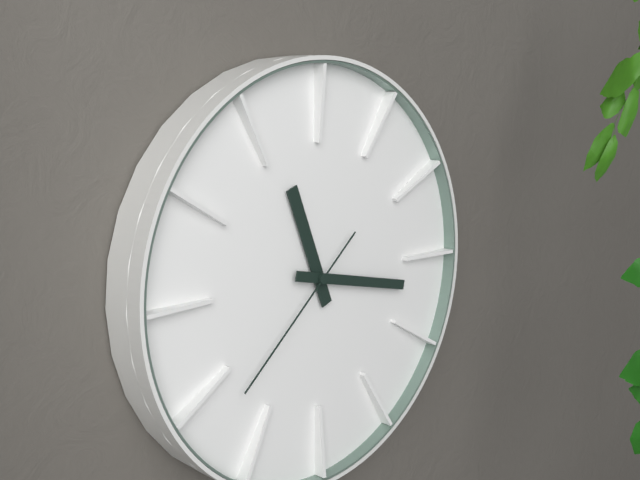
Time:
11:17:38
